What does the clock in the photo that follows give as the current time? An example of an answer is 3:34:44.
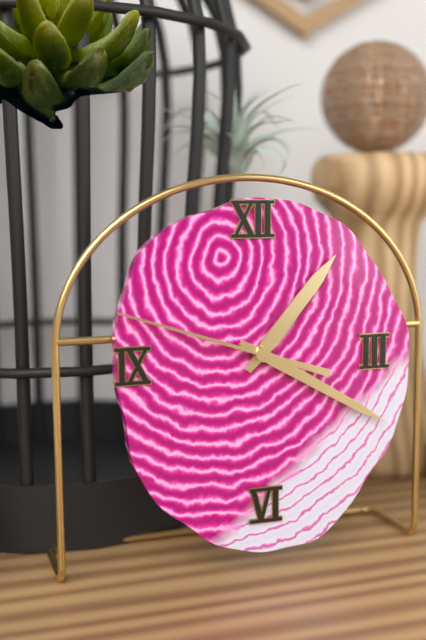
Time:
1:20:48
